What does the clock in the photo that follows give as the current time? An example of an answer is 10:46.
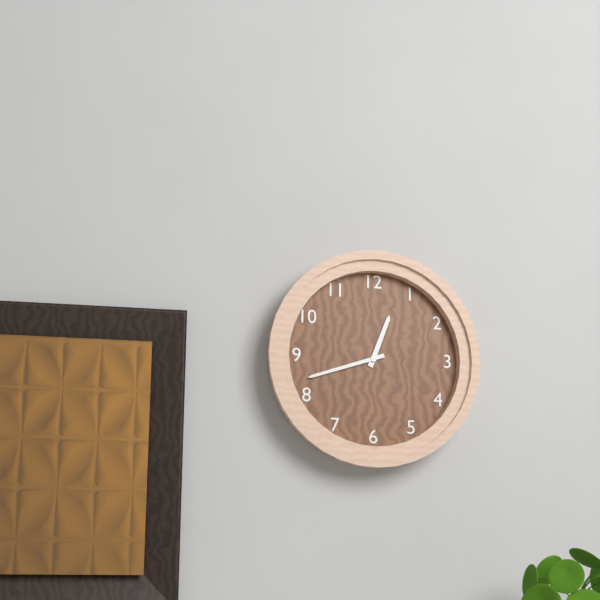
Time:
12:42
